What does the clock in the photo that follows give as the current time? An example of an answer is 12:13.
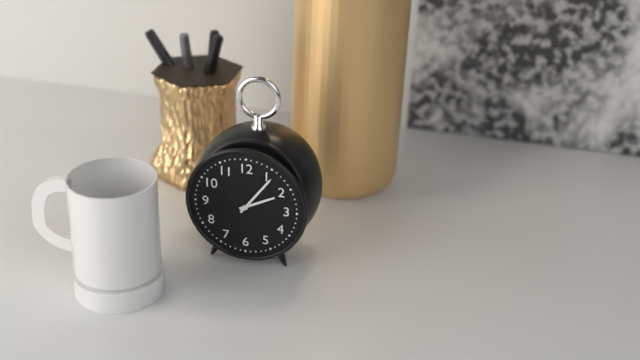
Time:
2:06
